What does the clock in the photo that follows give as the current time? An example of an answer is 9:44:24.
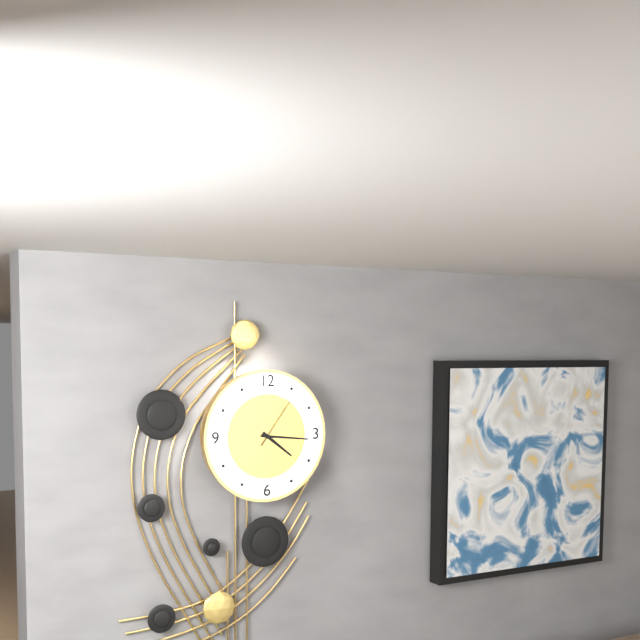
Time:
4:16:06
